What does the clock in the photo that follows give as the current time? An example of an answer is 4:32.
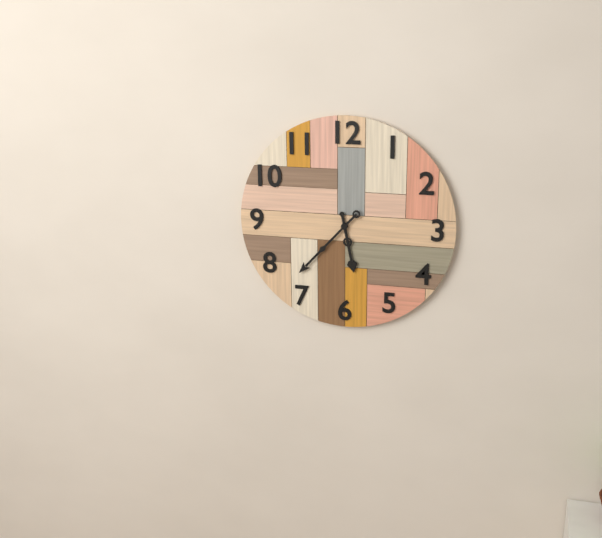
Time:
5:37
